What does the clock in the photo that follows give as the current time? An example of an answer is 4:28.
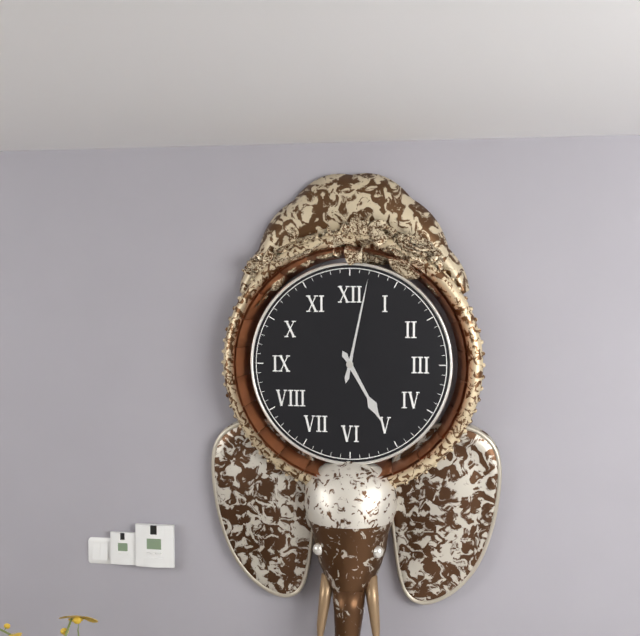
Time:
5:02
